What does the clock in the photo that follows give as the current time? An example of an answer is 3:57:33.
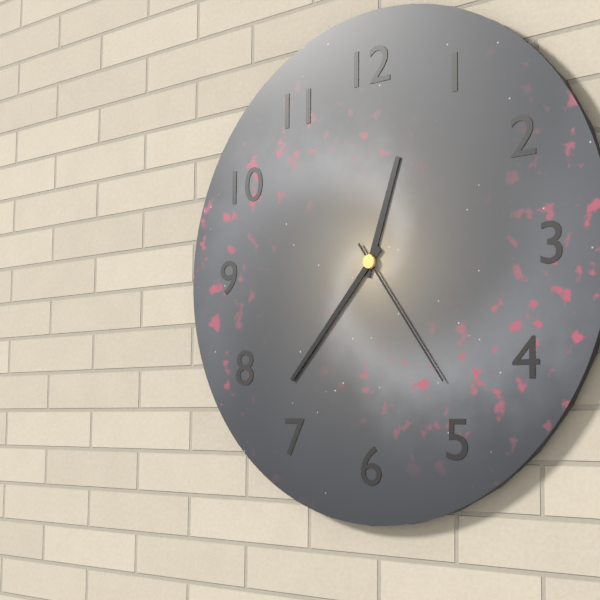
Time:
12:37:24
